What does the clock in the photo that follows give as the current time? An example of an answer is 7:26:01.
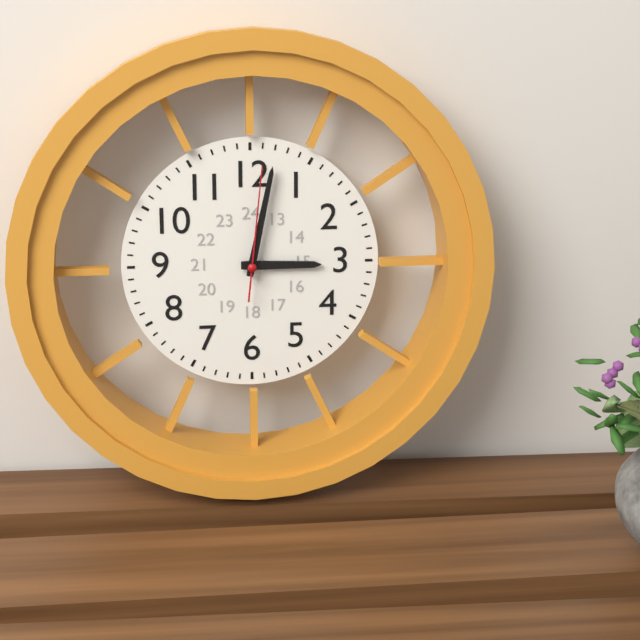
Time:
3:02:01
